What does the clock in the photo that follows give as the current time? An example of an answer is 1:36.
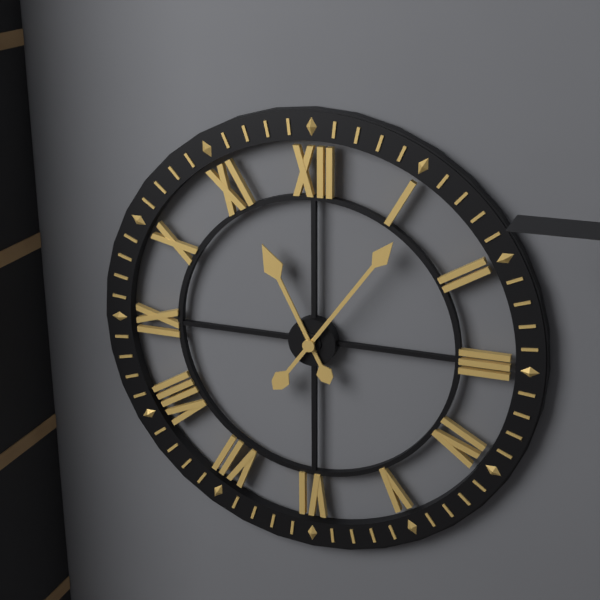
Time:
11:06
